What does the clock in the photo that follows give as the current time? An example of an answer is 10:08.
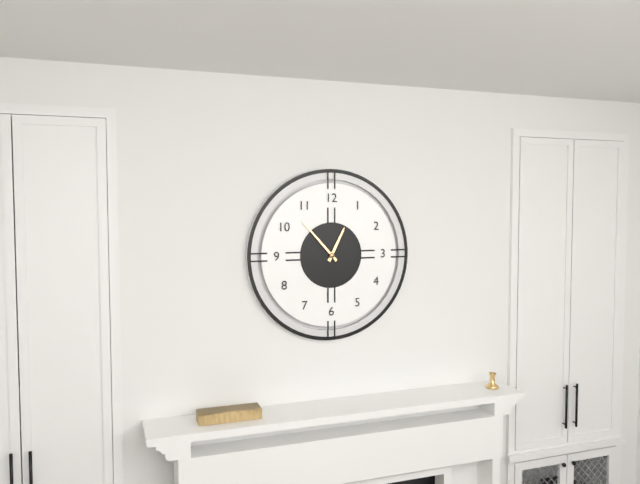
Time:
12:53
